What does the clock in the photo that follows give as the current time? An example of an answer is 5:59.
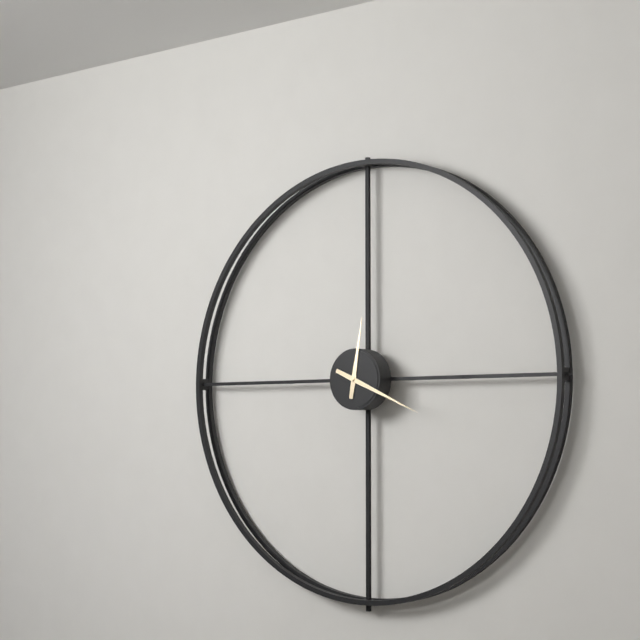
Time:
12:19
